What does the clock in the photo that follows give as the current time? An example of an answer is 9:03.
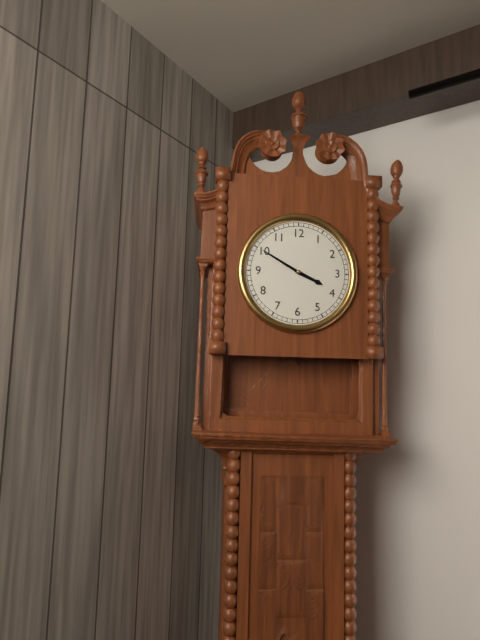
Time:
3:50
